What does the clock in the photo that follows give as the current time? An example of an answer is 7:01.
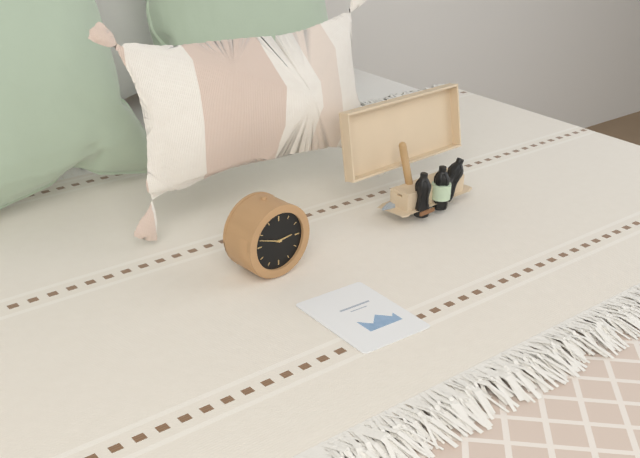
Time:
2:48
